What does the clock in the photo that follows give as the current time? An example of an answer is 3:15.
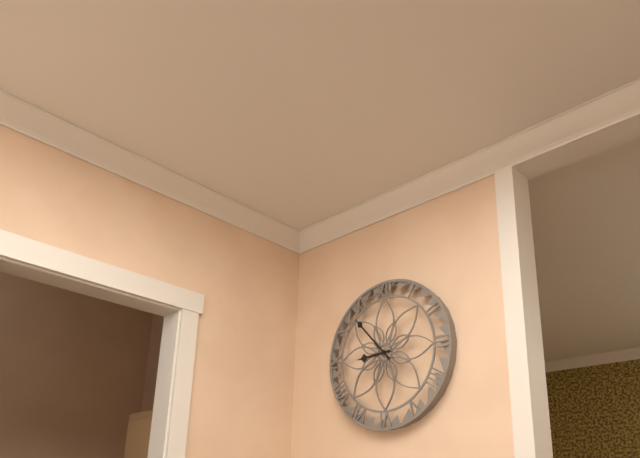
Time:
8:53
